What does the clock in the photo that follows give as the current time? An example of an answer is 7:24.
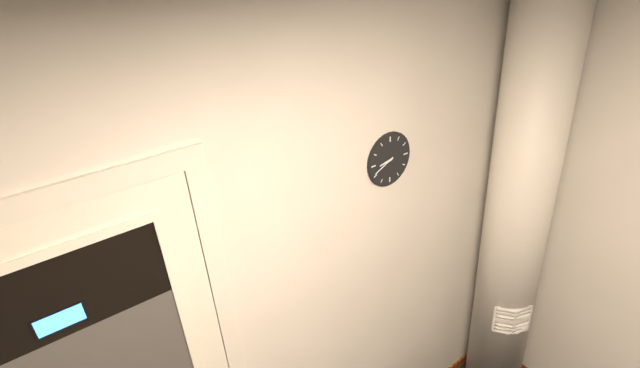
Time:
8:41
